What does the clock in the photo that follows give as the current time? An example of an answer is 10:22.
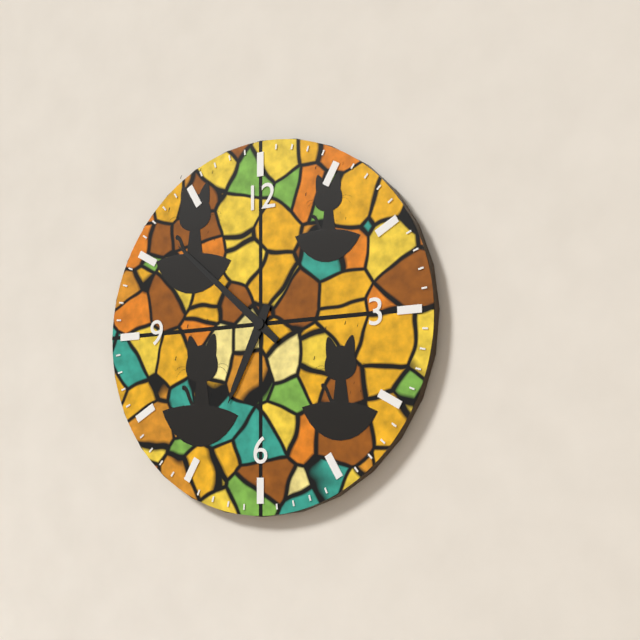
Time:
6:52
